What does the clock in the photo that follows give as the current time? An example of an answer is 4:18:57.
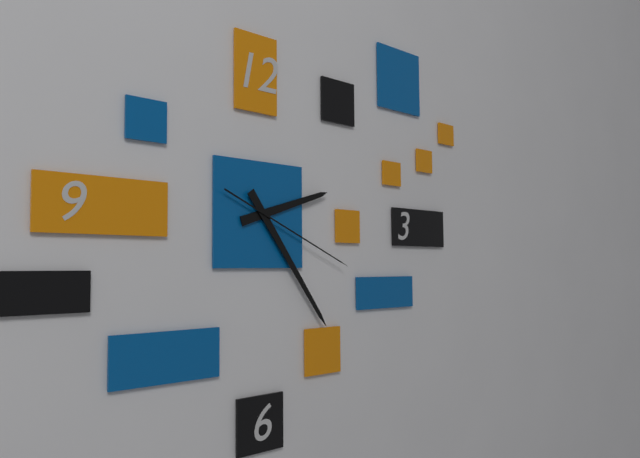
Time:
2:24:19
